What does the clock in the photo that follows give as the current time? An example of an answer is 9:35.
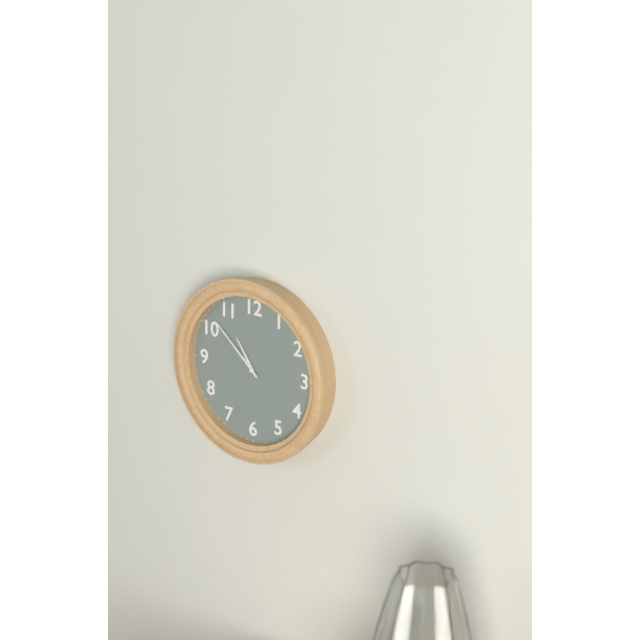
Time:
10:52
